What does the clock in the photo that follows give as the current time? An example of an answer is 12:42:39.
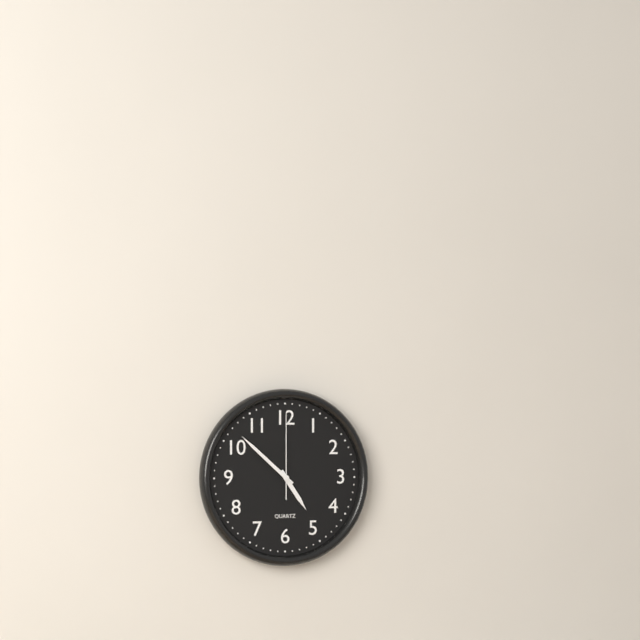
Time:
4:52:00
